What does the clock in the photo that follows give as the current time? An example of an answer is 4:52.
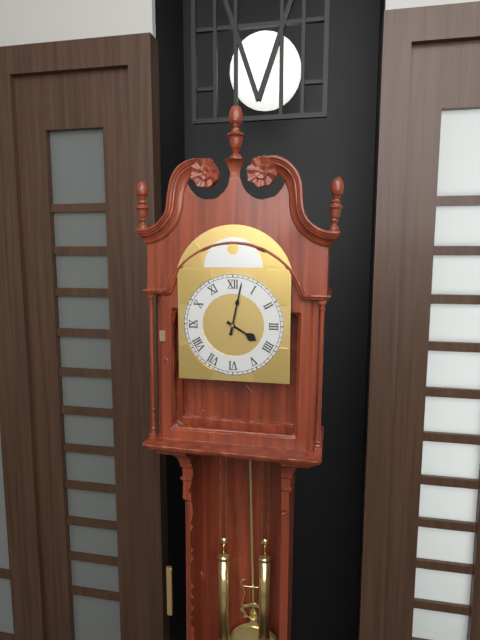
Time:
4:02
